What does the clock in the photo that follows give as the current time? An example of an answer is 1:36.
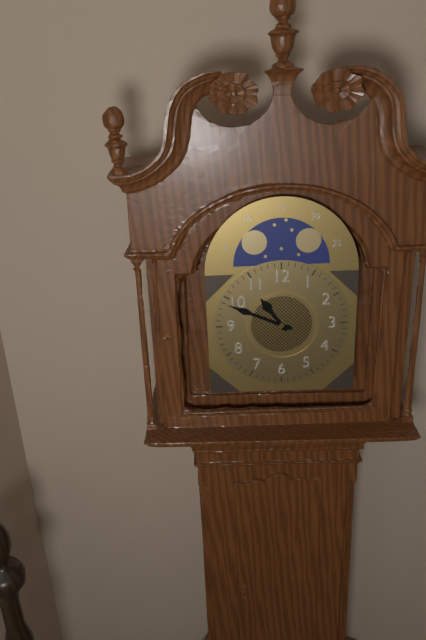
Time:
10:49
